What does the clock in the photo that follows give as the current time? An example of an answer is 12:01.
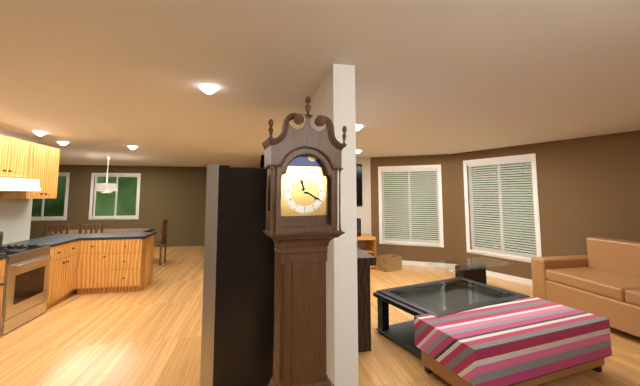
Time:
11:20
